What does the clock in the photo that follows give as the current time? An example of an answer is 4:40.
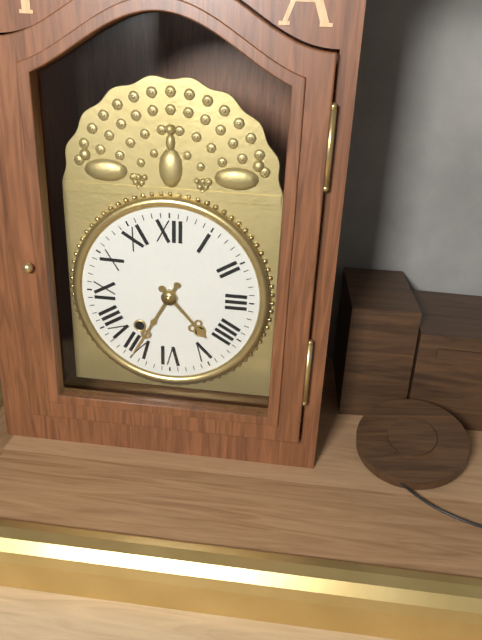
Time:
4:35
